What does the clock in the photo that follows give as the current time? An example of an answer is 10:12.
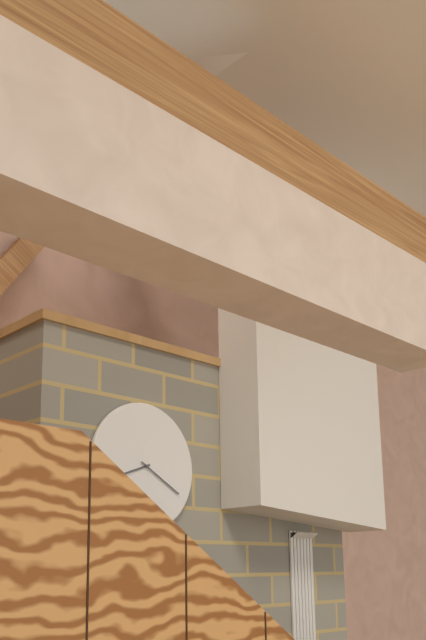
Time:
8:20
